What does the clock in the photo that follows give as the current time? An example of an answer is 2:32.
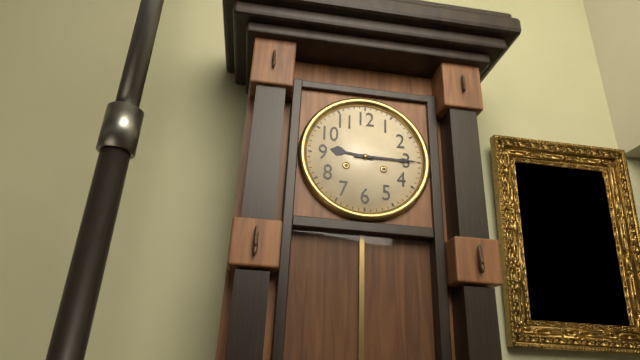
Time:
9:15
